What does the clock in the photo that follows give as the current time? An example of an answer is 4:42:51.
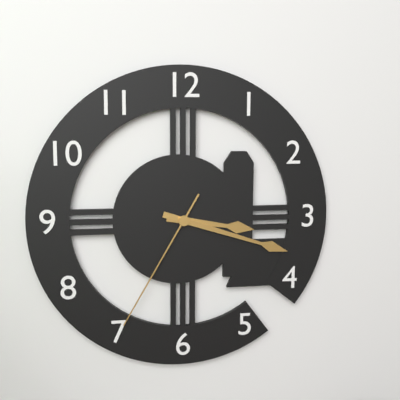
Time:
3:18:35
